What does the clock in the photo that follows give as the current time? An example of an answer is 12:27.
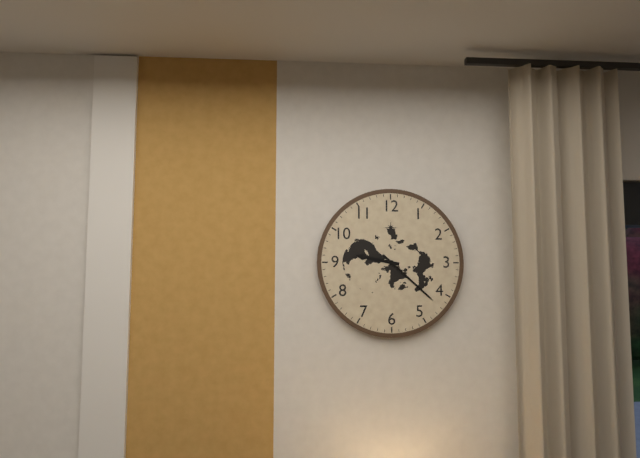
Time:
9:22
